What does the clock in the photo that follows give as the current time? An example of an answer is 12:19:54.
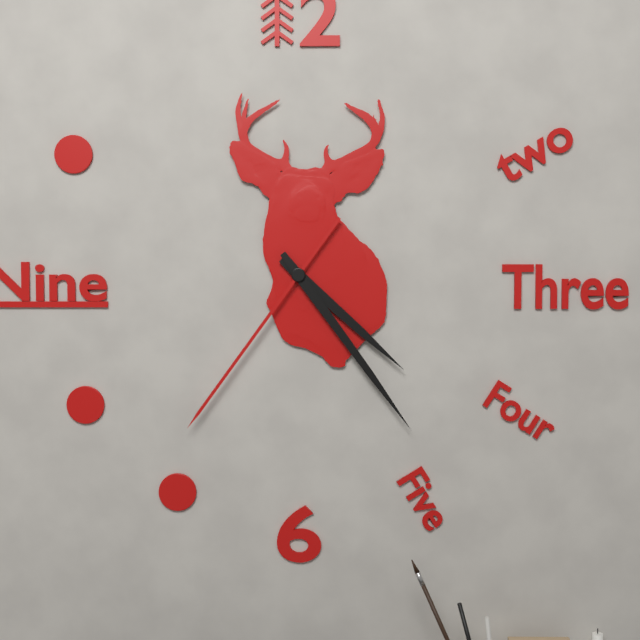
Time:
4:24:36
